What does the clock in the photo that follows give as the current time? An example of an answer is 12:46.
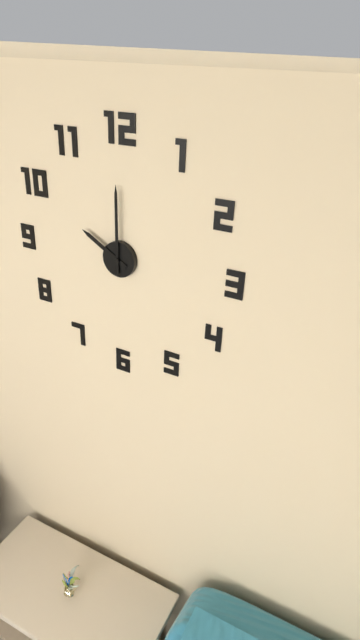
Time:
10:00
